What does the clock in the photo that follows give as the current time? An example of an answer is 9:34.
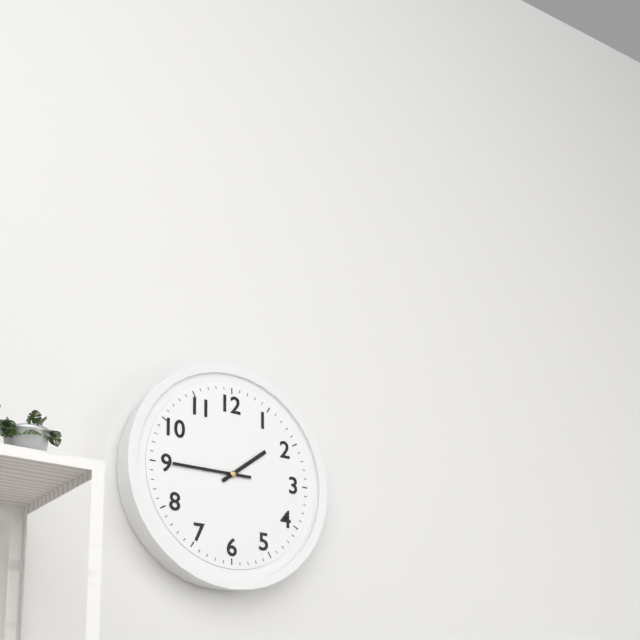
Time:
1:45
